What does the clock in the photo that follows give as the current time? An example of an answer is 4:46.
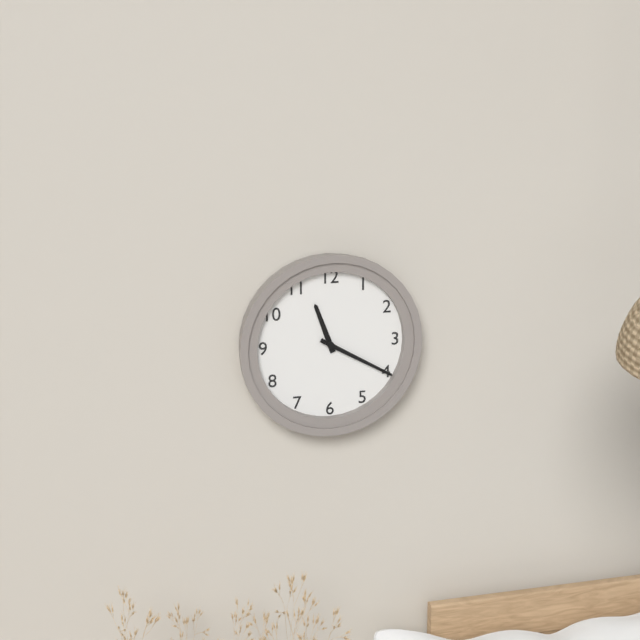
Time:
11:20
